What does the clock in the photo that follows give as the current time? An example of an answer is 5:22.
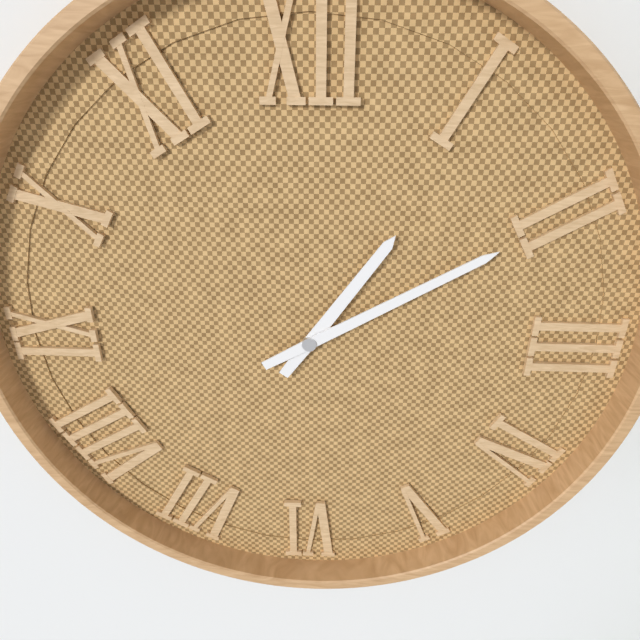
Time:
1:10
